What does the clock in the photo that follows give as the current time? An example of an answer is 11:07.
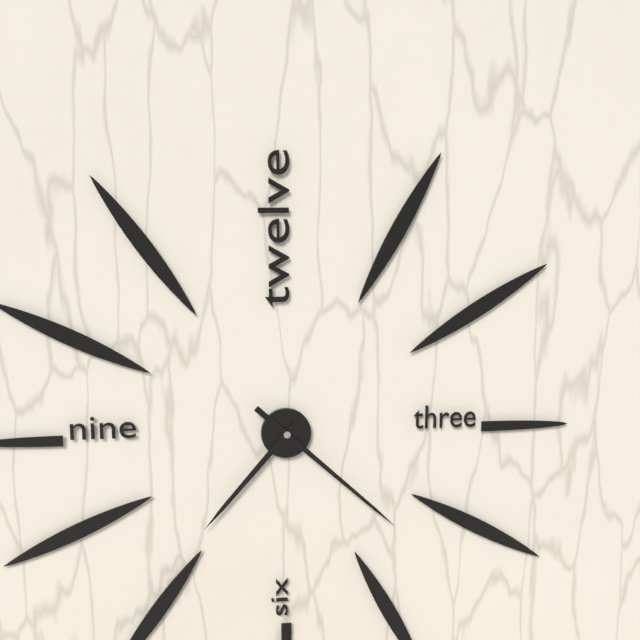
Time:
7:22
